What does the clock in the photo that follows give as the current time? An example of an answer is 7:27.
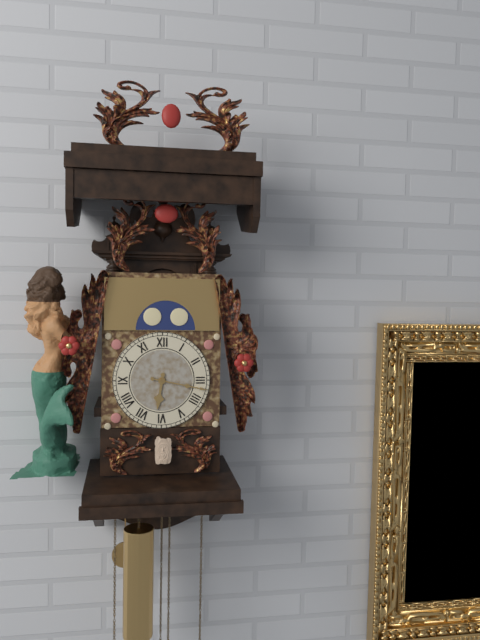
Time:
6:17
